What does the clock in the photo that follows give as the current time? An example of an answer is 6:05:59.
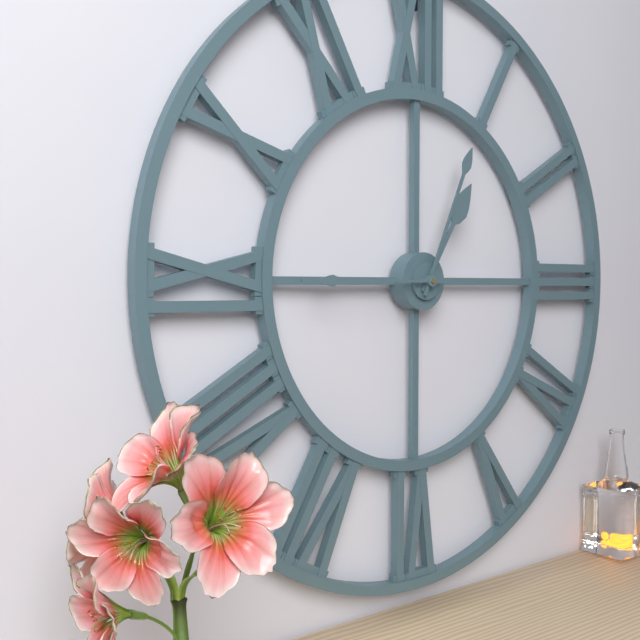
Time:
1:04:45
